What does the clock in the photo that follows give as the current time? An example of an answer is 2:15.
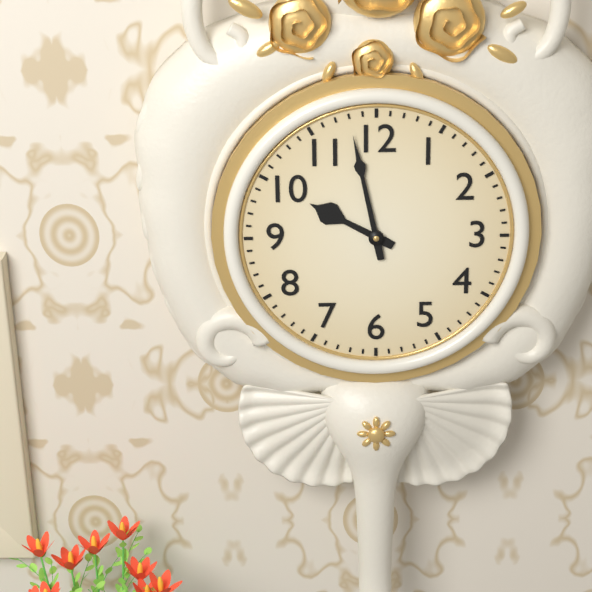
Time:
9:58
